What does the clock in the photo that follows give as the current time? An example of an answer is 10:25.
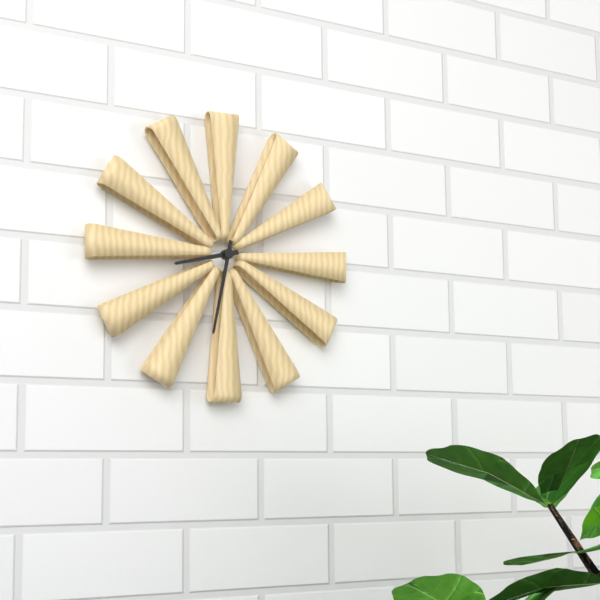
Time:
8:32
